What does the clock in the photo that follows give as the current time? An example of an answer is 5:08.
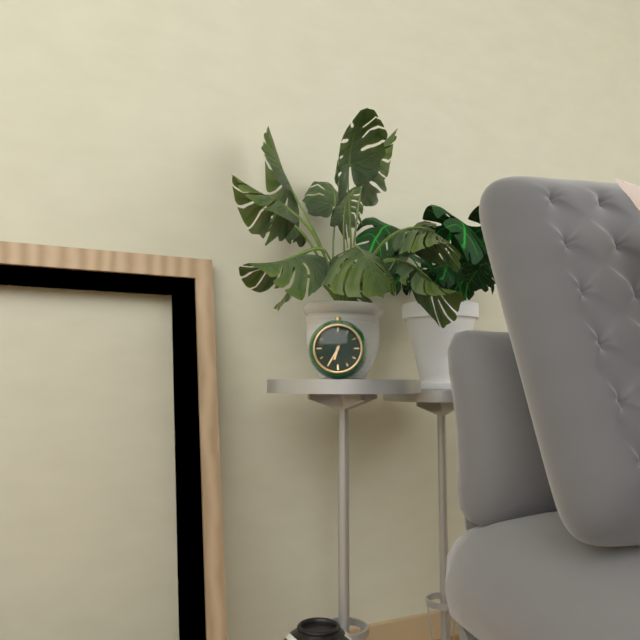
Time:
6:35
